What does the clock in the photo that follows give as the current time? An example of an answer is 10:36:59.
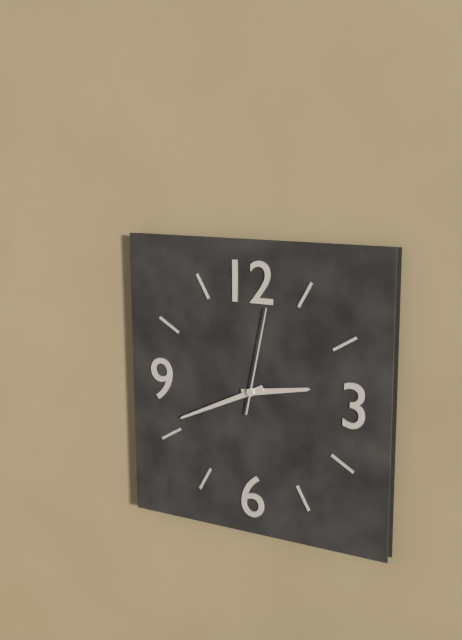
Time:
2:41:02
